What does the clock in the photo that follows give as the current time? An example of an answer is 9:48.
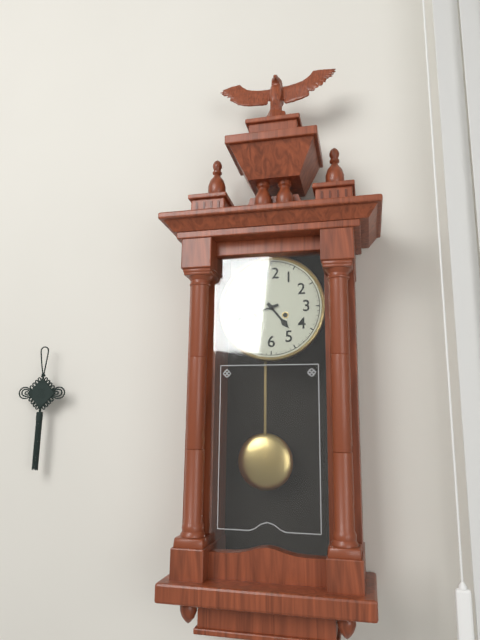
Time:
4:42
